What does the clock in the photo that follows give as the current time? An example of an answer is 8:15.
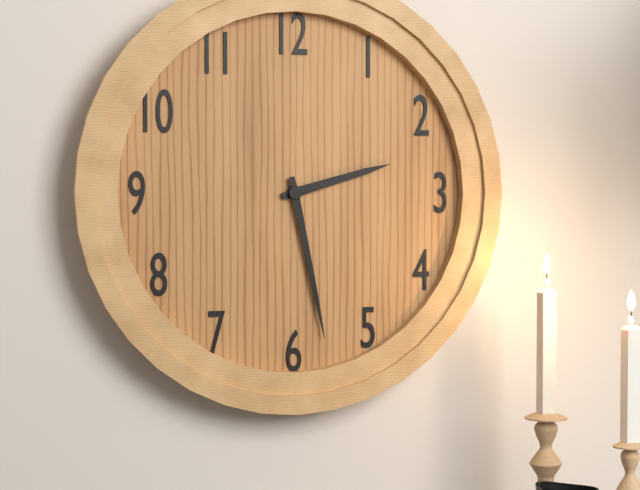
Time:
2:28
